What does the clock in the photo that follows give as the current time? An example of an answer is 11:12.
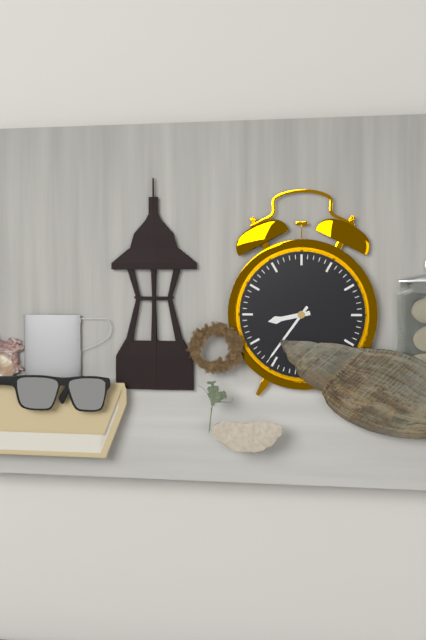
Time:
8:36
